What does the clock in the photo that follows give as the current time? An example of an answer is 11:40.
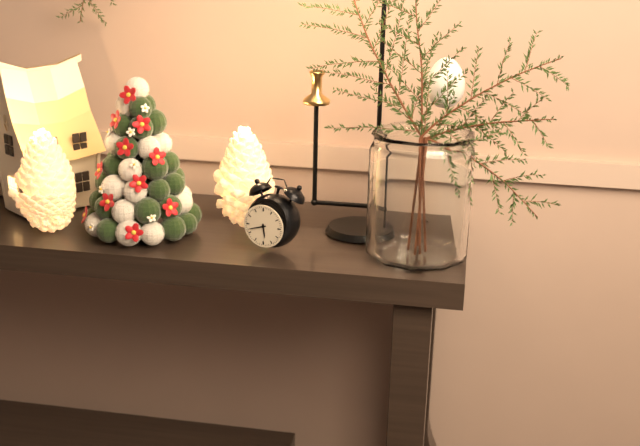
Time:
5:42
